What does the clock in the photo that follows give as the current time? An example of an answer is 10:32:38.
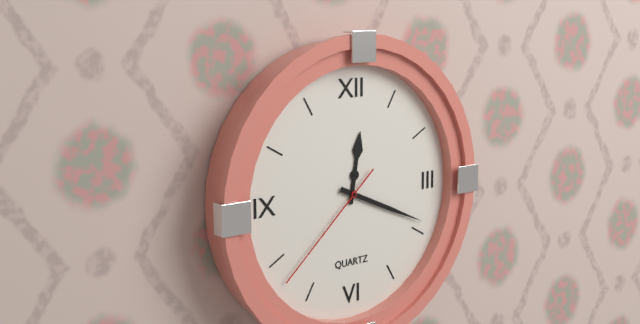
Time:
12:19:38
